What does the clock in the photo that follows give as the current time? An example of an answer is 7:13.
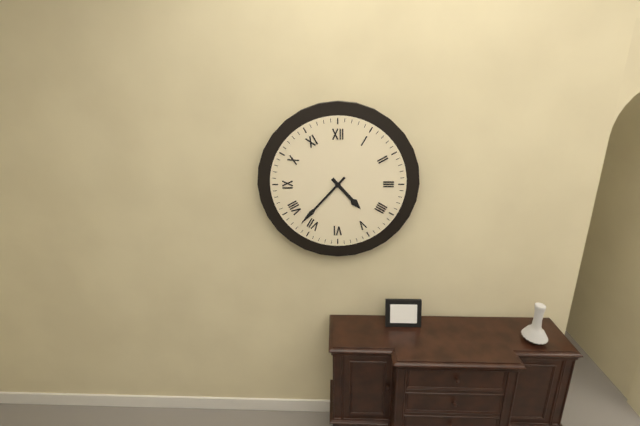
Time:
4:37
